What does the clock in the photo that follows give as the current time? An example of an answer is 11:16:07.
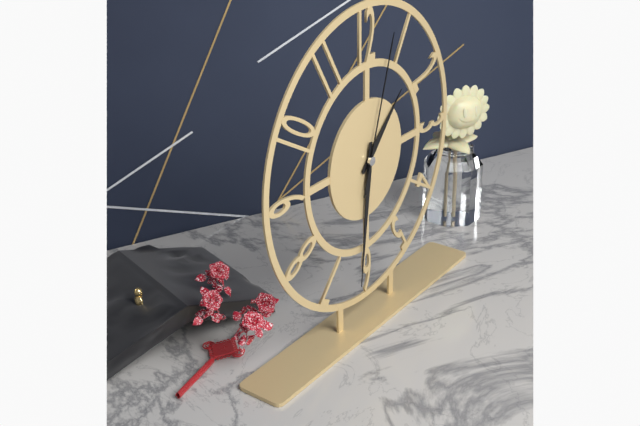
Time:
1:31:03
